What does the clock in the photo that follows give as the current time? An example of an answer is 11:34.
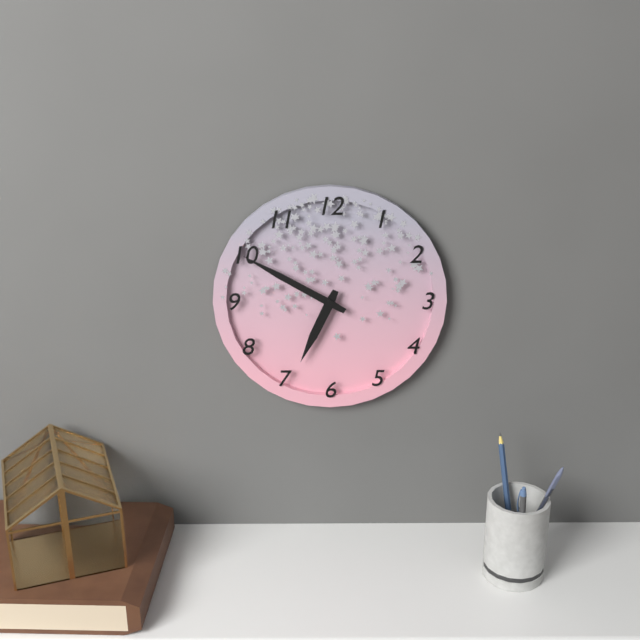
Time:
6:50
